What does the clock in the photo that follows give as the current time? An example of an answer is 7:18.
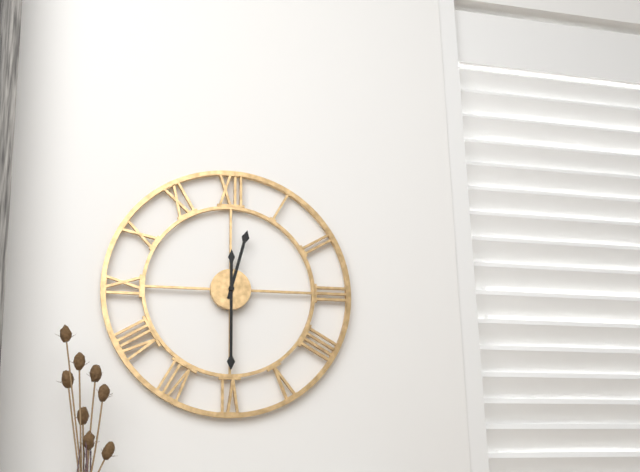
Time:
12:30
